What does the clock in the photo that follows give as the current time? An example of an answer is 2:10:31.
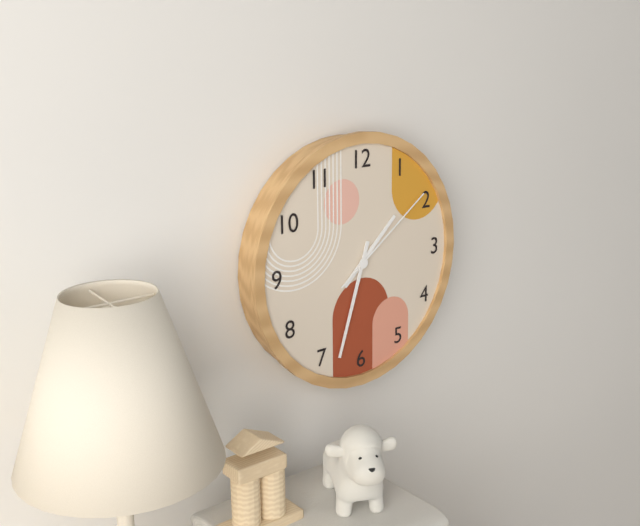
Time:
1:33:09
